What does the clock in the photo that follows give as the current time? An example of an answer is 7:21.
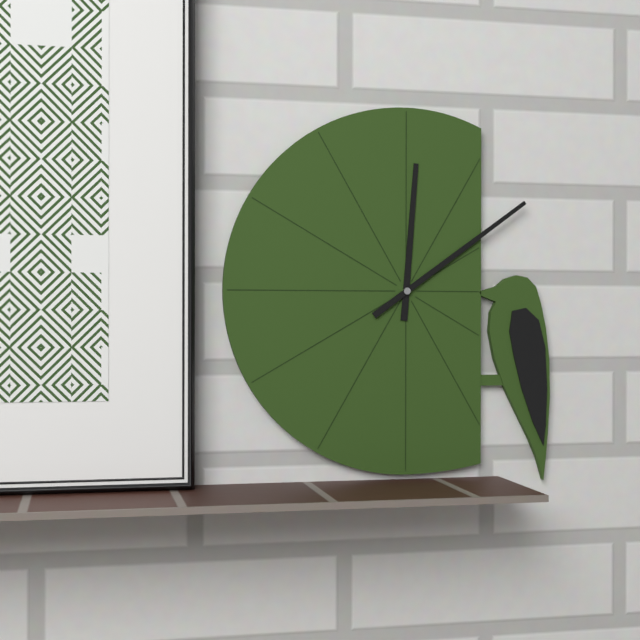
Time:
12:09
